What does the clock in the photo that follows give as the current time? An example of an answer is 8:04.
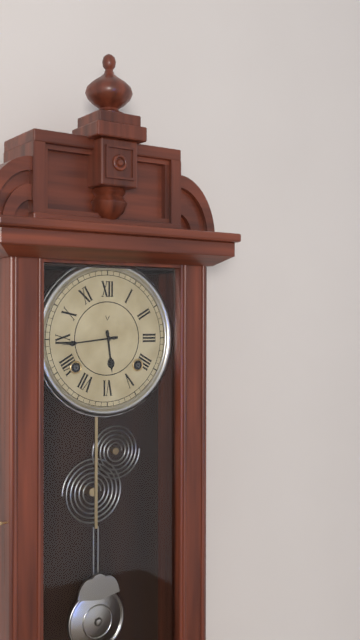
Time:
5:44
